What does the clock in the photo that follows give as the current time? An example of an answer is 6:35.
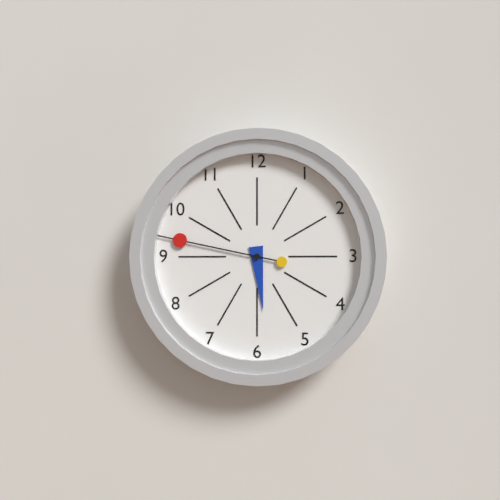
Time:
5:47
